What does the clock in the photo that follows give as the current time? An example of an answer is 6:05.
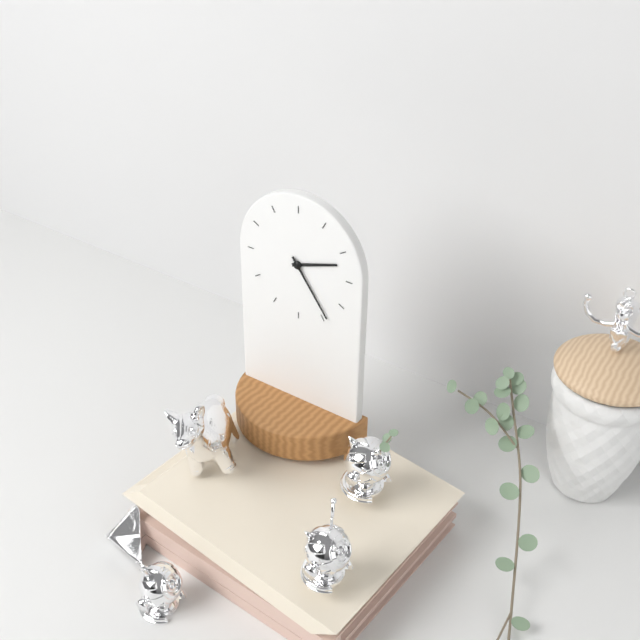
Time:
2:24
